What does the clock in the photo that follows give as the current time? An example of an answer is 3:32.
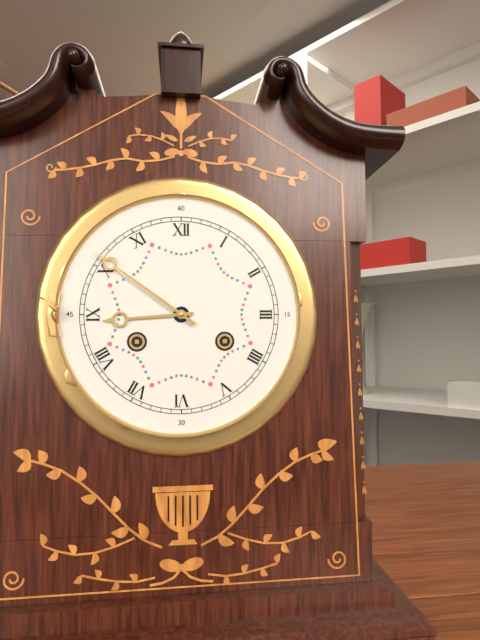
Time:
8:51
